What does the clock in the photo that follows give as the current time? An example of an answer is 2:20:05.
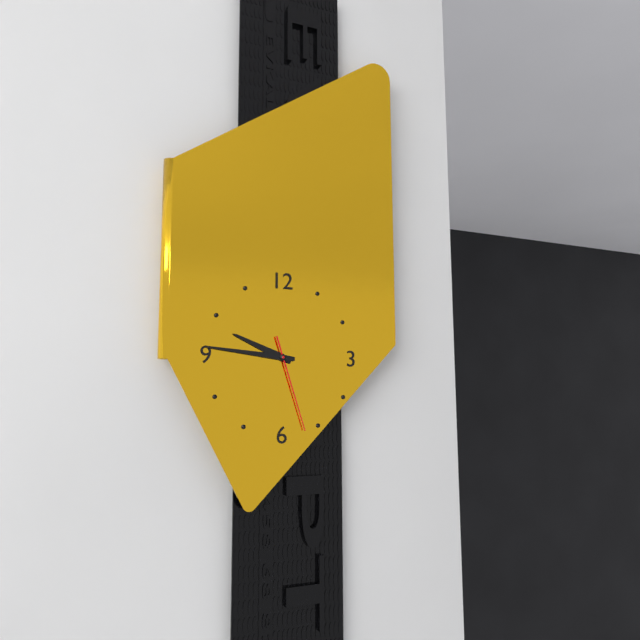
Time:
9:46:27
